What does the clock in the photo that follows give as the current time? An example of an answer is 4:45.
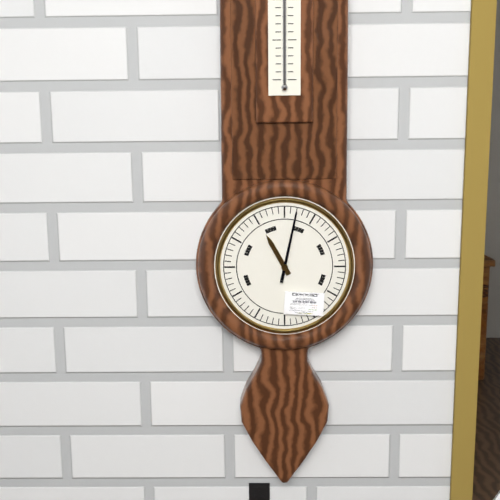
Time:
11:02
